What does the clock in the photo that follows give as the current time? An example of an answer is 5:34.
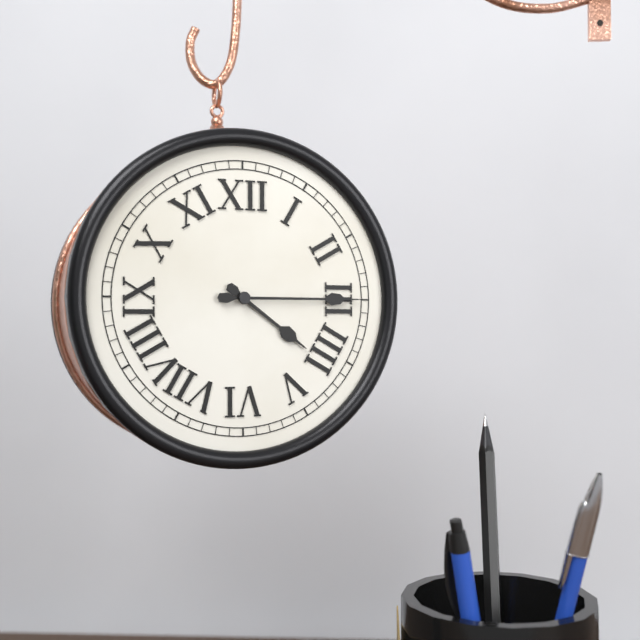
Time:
4:15
